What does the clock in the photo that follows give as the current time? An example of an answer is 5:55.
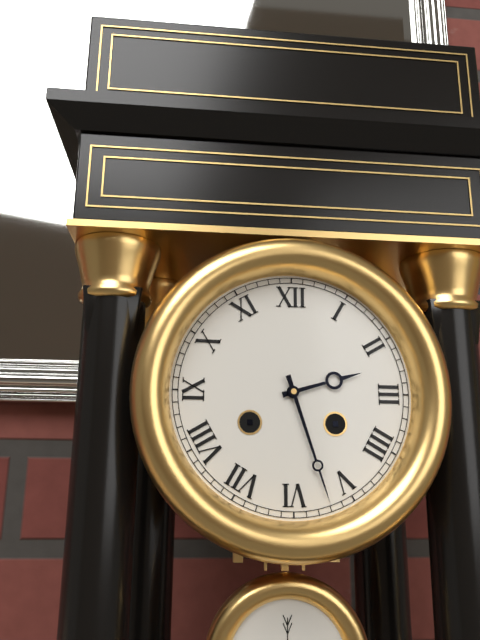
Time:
2:27
